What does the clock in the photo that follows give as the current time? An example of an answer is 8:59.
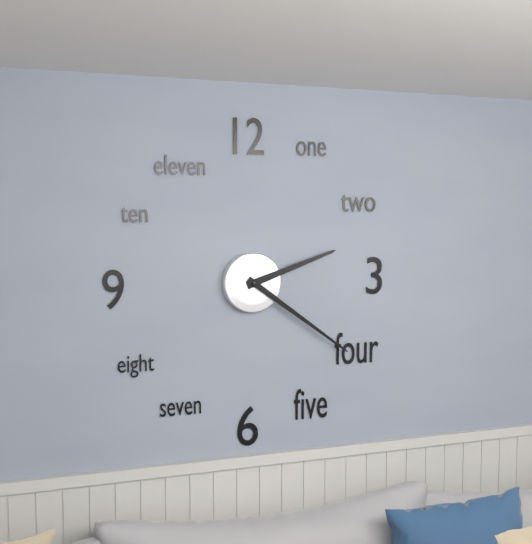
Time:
2:21
